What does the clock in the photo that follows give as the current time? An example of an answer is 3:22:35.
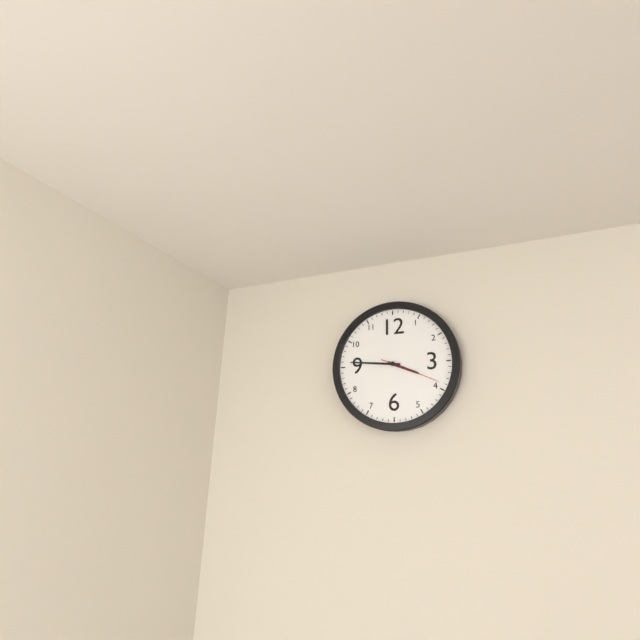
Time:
3:46:19
